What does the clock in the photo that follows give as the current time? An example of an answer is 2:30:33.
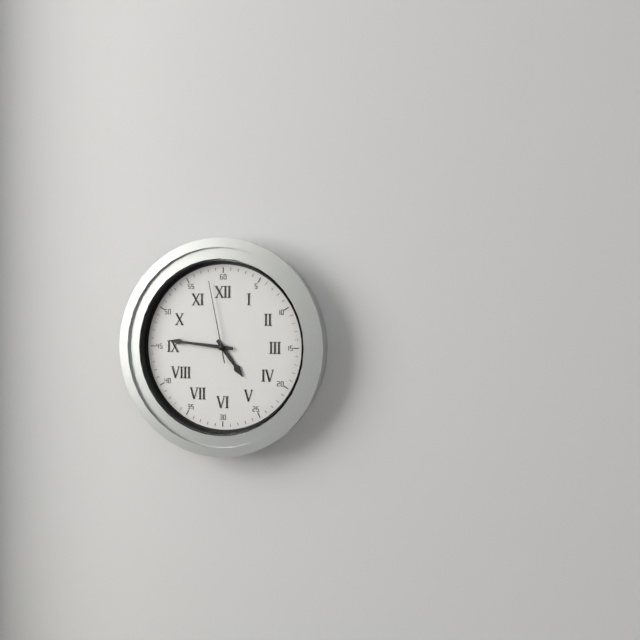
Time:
4:46:58
